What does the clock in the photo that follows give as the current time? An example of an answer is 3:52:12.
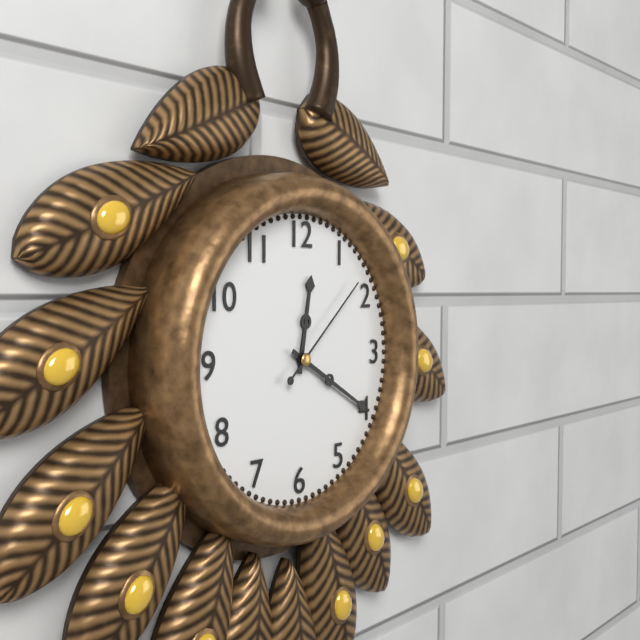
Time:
12:20:08
